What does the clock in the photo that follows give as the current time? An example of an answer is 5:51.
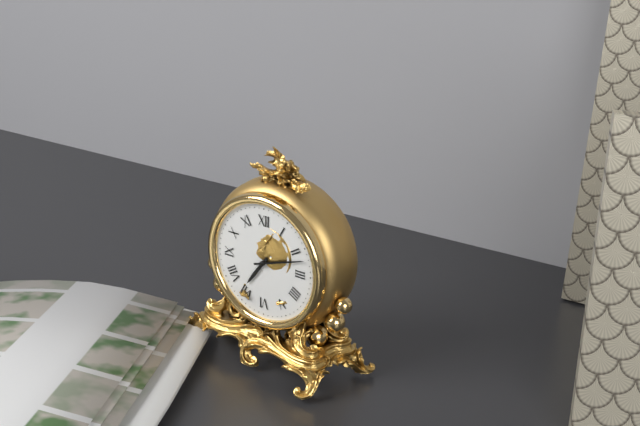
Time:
7:12
